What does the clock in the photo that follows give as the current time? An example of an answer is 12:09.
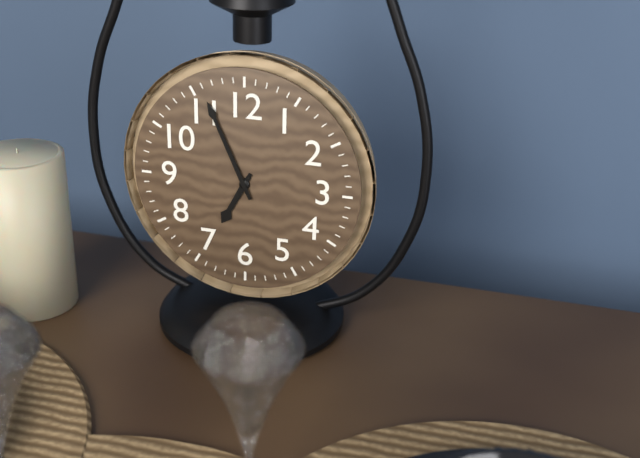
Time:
6:56
